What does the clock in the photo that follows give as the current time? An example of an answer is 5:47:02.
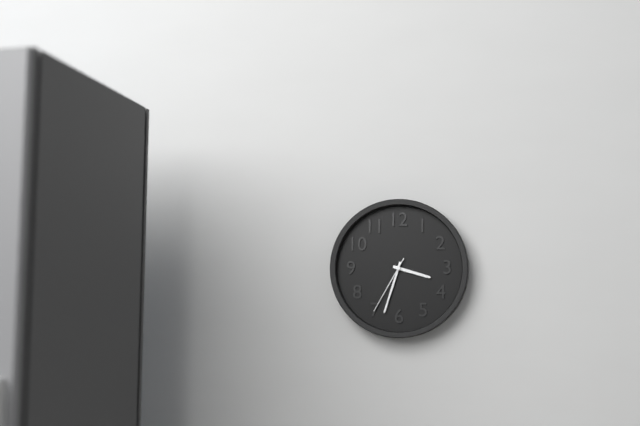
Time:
3:33:35
